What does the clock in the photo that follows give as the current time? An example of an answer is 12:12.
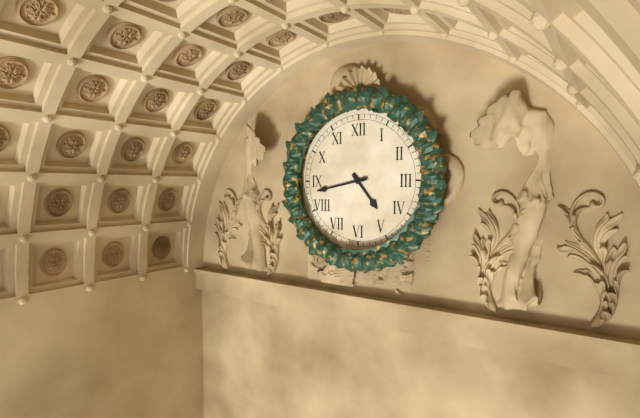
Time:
4:43
